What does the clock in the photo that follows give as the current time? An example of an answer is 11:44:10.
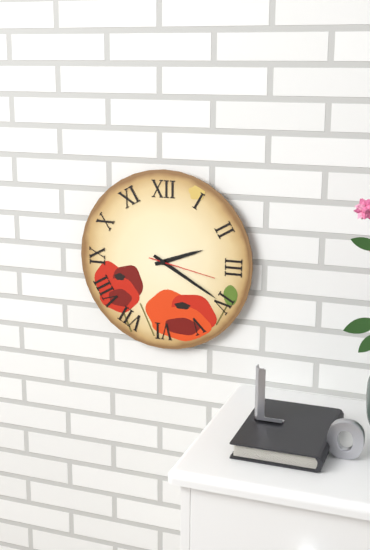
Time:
2:20:17
